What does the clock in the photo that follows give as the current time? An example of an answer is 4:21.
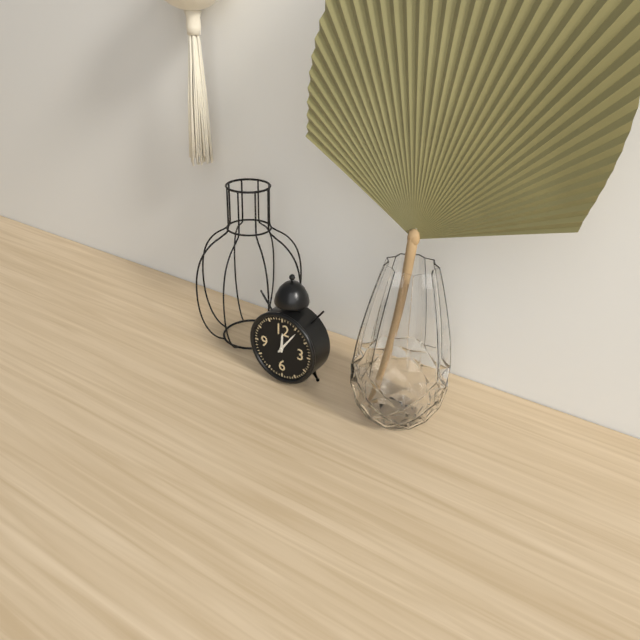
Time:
12:06
